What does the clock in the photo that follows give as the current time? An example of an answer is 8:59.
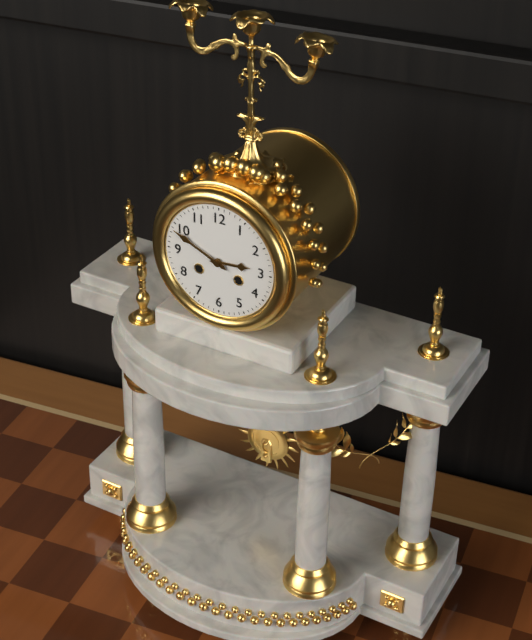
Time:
2:49
